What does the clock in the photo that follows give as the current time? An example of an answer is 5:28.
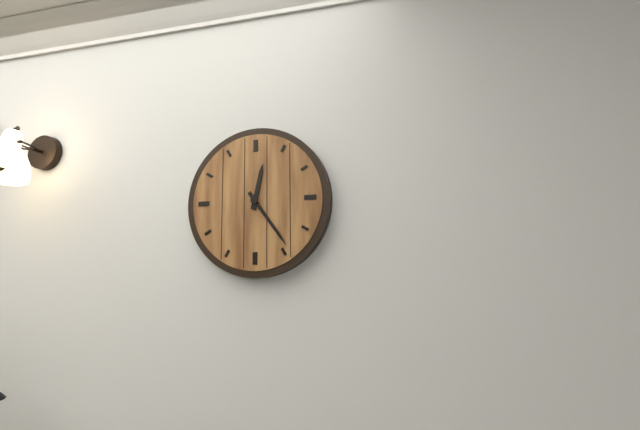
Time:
12:24
